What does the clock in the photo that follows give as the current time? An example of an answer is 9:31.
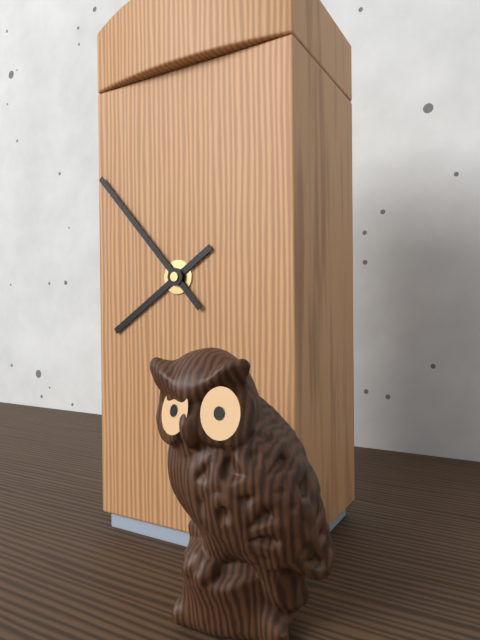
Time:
7:53
